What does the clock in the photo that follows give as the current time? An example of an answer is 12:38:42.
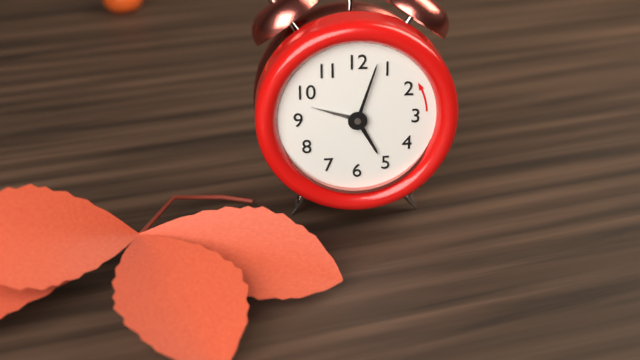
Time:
5:03:48
